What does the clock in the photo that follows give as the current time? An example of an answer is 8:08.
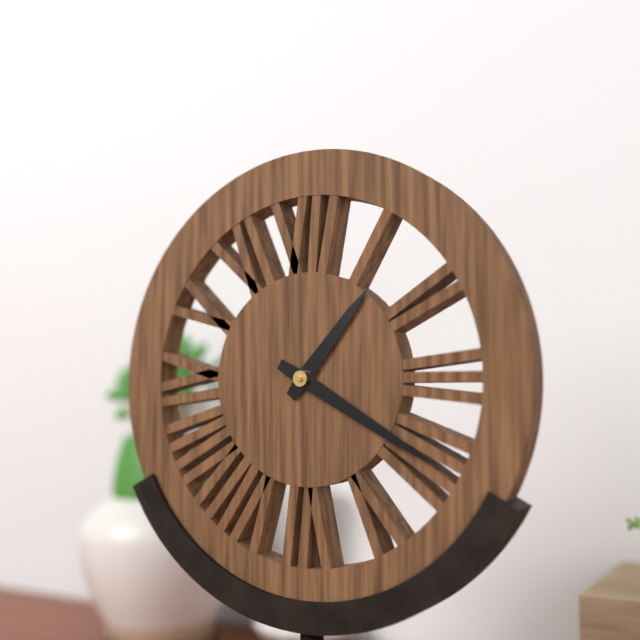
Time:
1:20
